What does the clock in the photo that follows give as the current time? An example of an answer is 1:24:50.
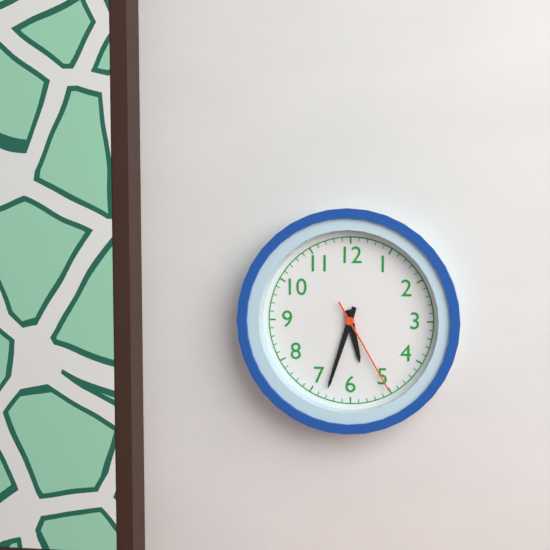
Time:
5:33:25
